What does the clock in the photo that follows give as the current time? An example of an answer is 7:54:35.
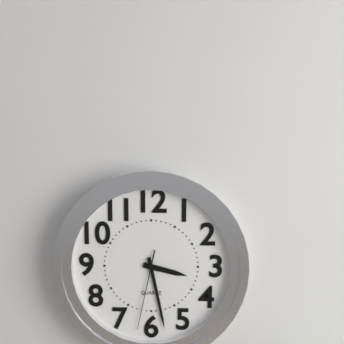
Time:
3:28:32
